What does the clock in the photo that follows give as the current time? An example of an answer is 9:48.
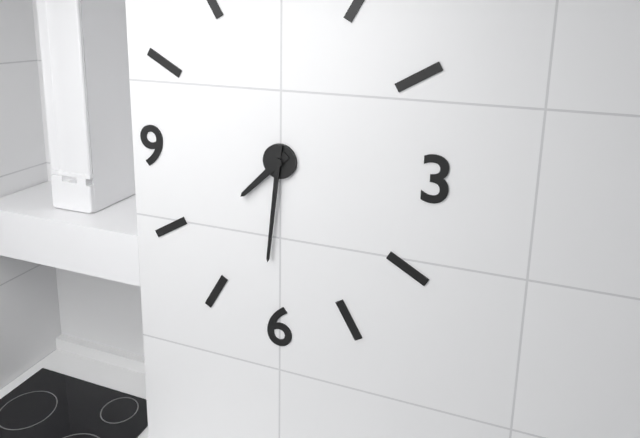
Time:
7:31
